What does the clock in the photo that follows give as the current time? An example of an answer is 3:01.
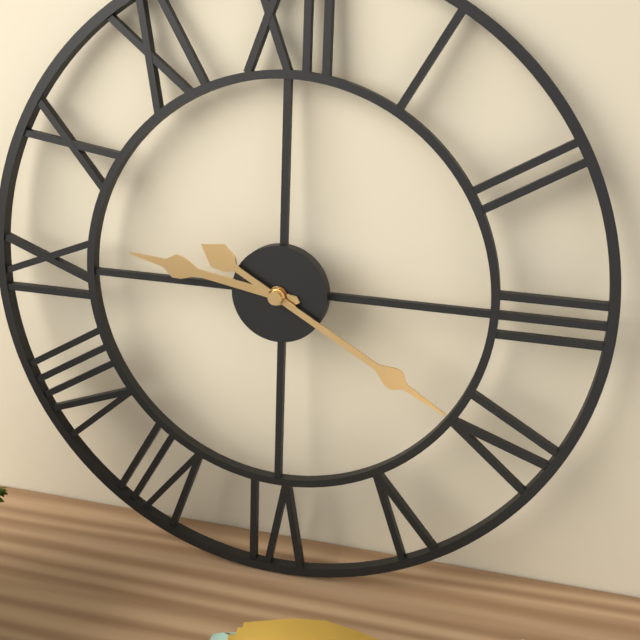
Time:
9:20
